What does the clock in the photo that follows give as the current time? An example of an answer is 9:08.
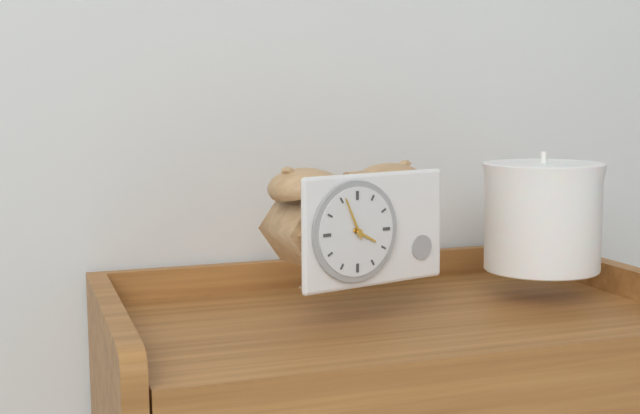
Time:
3:56
